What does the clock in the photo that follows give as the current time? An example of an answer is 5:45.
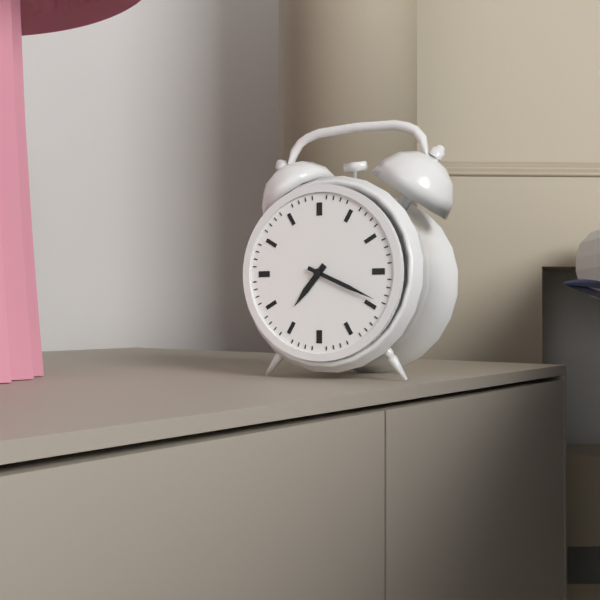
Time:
7:19
